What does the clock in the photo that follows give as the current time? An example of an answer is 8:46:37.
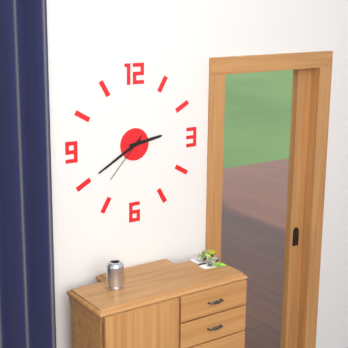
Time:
2:40:37
